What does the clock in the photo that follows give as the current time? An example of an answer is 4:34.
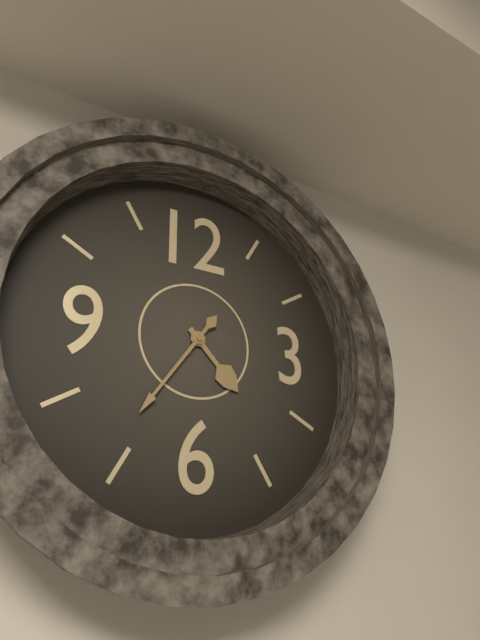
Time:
4:36
